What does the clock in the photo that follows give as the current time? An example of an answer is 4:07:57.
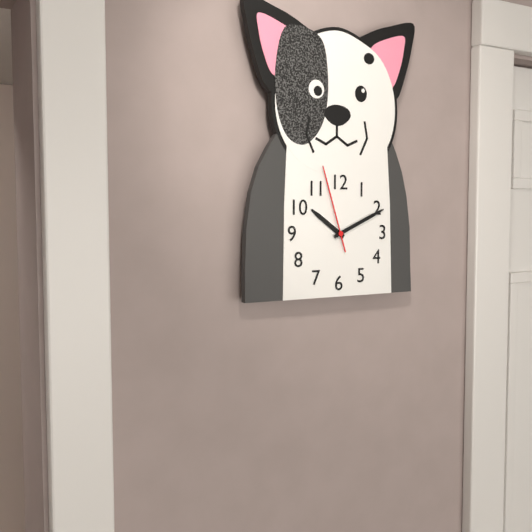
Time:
10:11:57
